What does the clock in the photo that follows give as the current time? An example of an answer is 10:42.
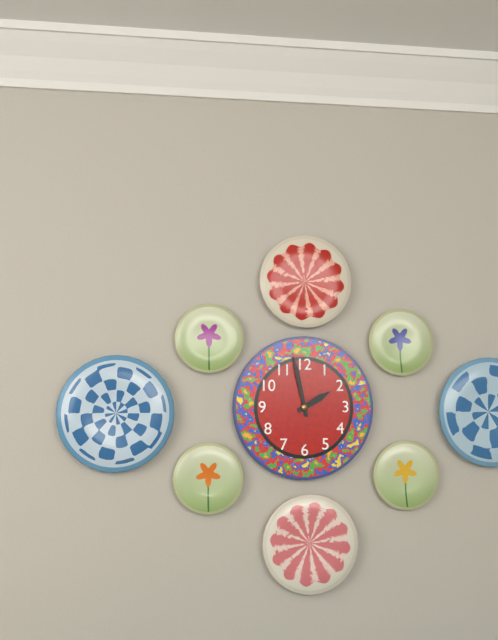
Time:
1:58
